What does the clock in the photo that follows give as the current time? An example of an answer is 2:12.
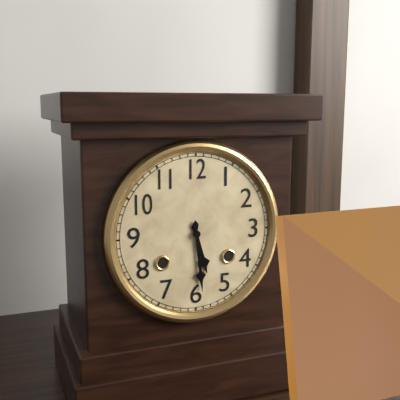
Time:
5:29
